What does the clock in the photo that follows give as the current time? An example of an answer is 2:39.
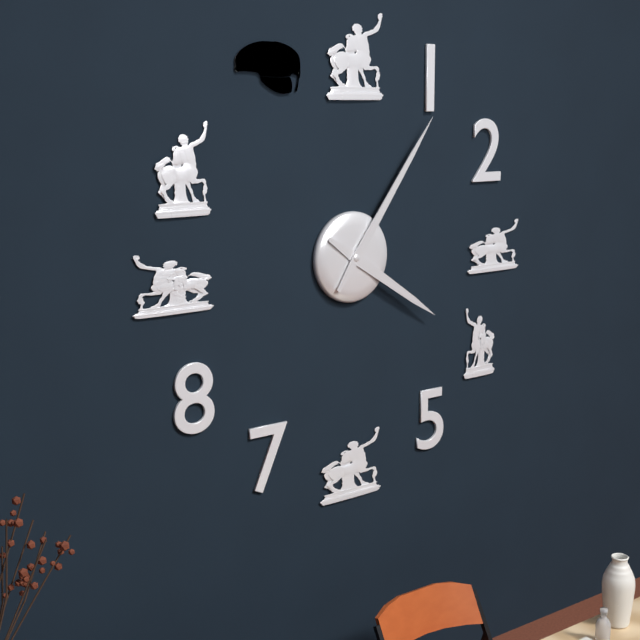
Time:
4:06
